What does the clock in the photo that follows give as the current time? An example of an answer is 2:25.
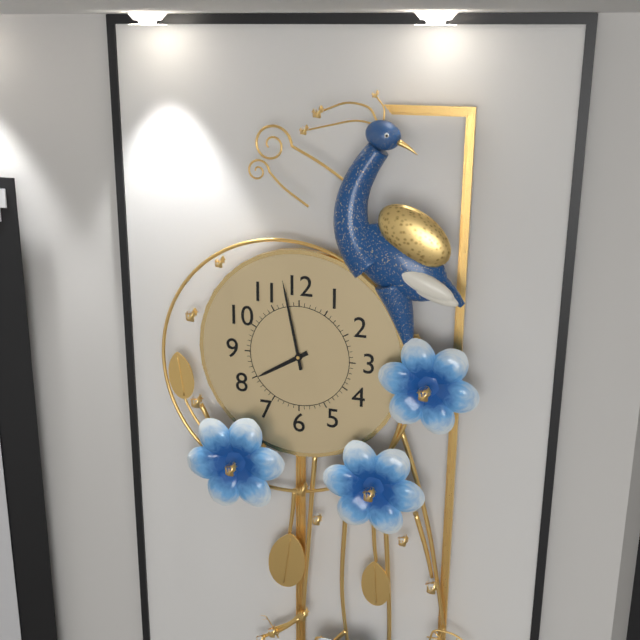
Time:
7:58
